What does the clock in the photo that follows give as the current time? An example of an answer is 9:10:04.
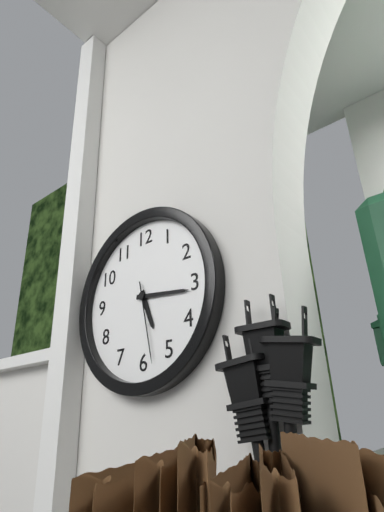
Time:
5:16:28
